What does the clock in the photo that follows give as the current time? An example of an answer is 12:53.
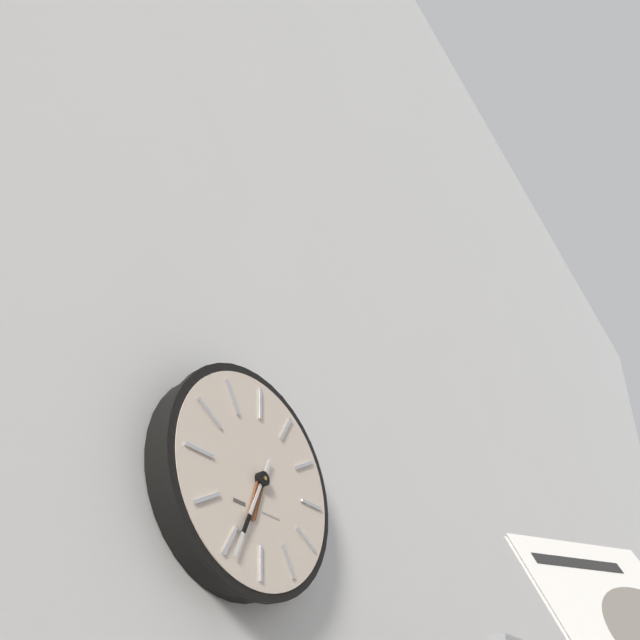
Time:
6:34
